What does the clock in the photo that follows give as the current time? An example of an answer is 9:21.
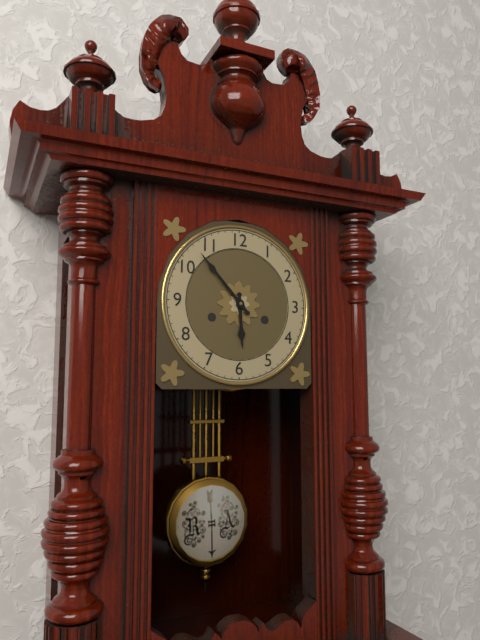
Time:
5:53
